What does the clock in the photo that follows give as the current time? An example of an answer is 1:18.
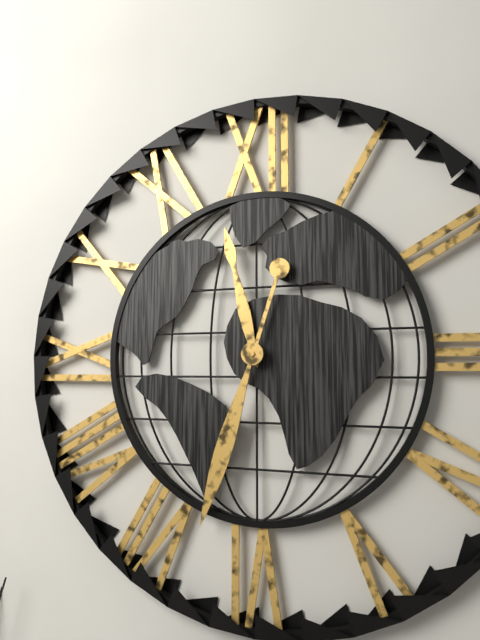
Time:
11:33
